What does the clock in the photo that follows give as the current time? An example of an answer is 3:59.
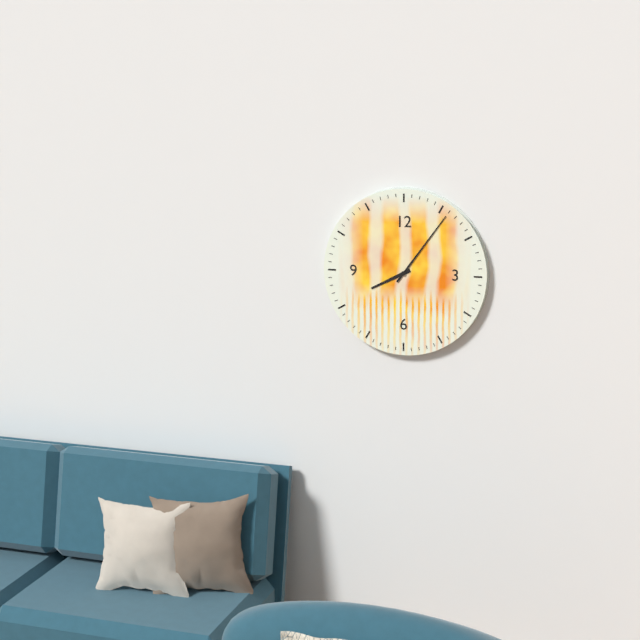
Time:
8:06
